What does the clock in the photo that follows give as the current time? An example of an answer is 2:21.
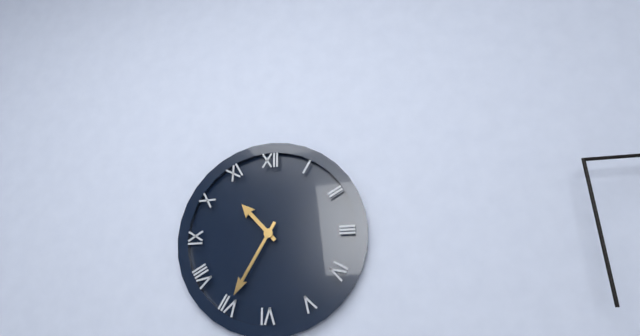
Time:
10:35
